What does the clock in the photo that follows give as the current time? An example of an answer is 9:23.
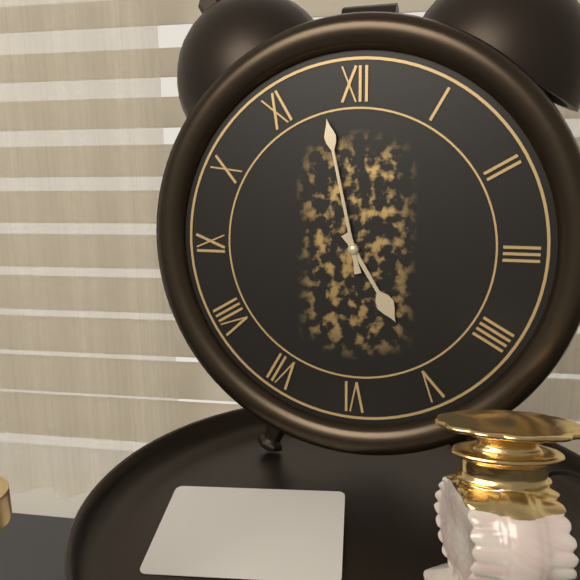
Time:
4:58
